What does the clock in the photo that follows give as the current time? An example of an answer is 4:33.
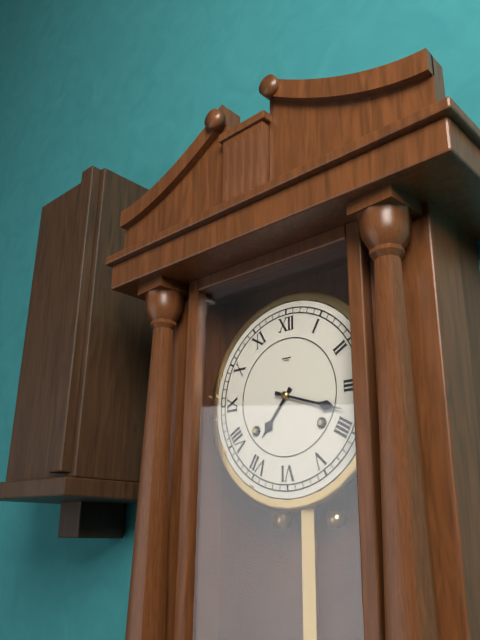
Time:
7:18
